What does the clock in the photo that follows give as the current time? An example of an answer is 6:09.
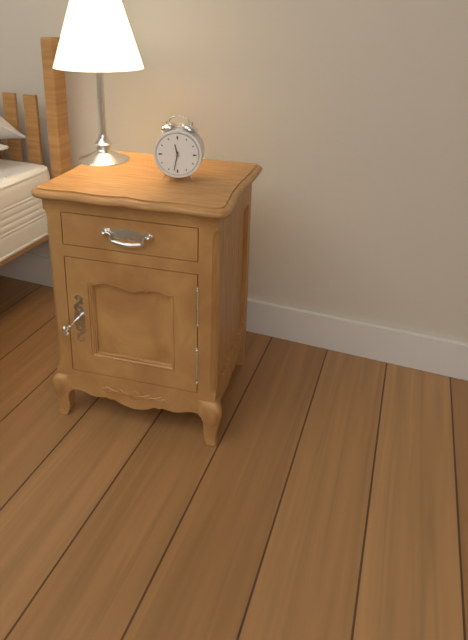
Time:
11:32
